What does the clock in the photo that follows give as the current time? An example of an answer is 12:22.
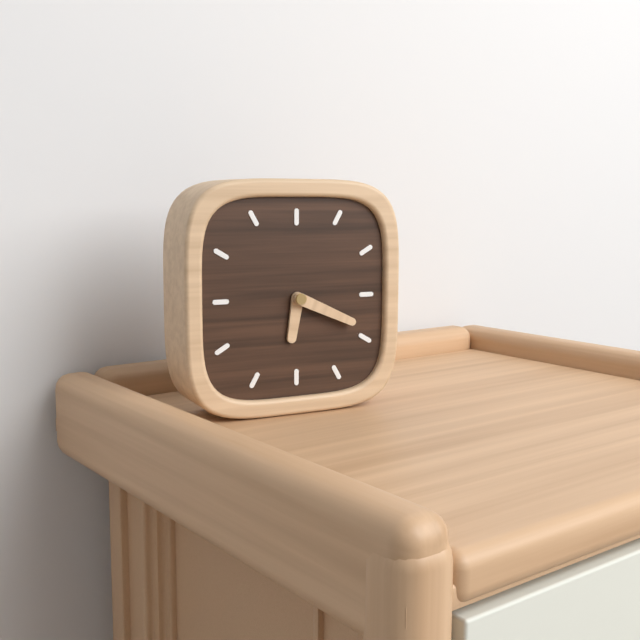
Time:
6:19
